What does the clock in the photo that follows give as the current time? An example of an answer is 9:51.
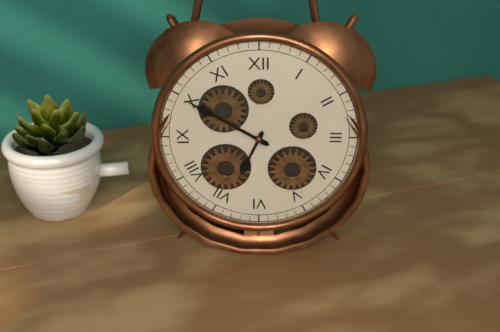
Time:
6:50
